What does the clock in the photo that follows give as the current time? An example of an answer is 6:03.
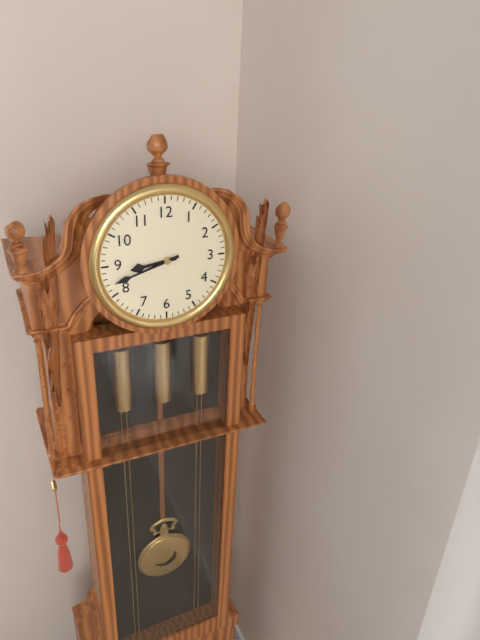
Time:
8:42
